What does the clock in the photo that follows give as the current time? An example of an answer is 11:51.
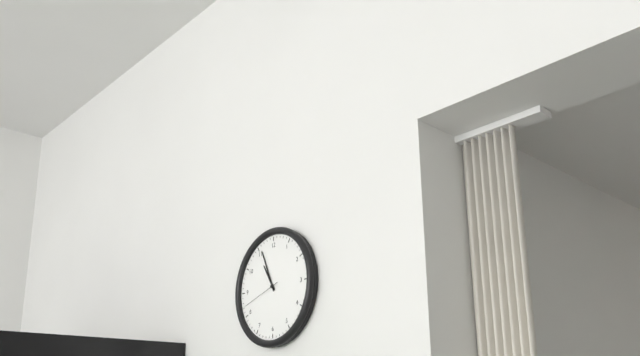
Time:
10:56
